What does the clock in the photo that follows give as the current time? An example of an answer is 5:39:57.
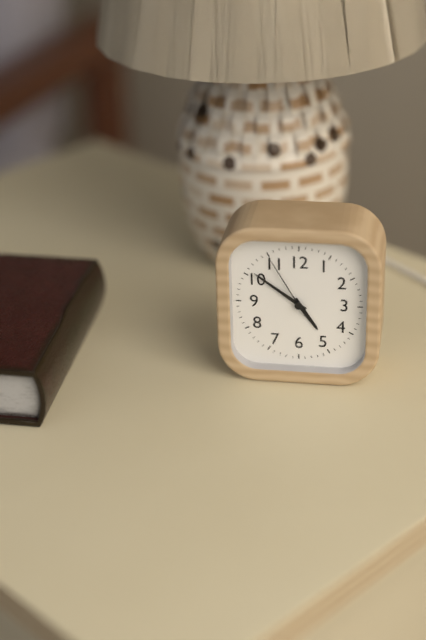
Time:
4:51:55
